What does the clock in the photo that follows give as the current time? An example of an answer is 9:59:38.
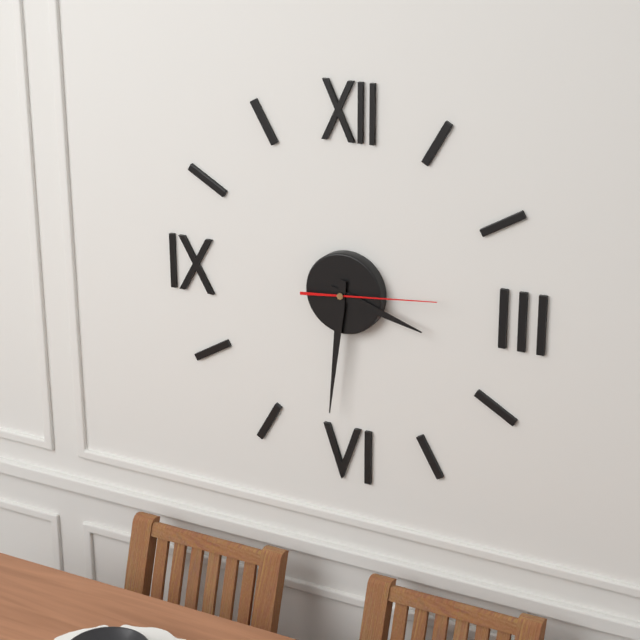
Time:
3:31:14
